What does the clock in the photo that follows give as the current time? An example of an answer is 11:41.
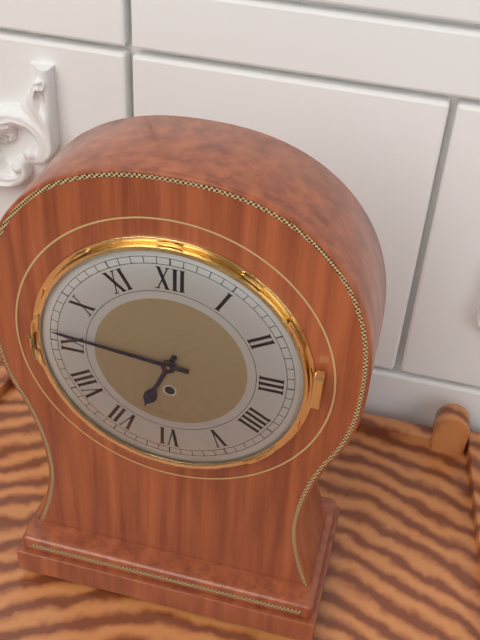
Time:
6:46
